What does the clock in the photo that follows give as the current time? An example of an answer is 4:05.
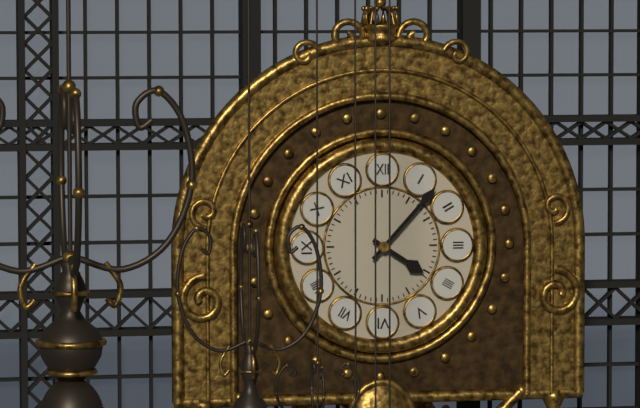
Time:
4:07
